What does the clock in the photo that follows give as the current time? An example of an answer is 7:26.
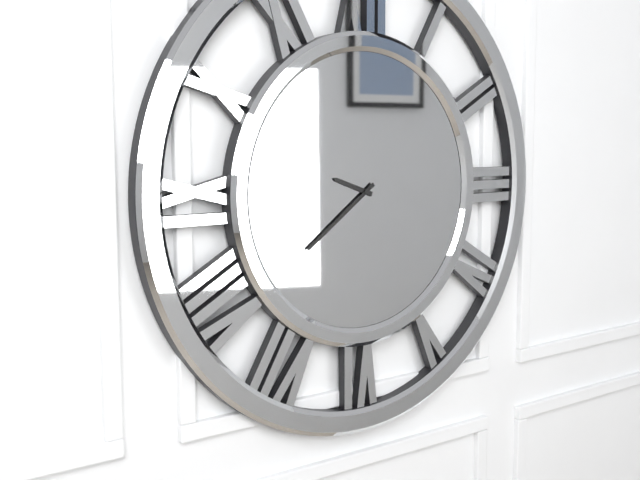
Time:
9:39
